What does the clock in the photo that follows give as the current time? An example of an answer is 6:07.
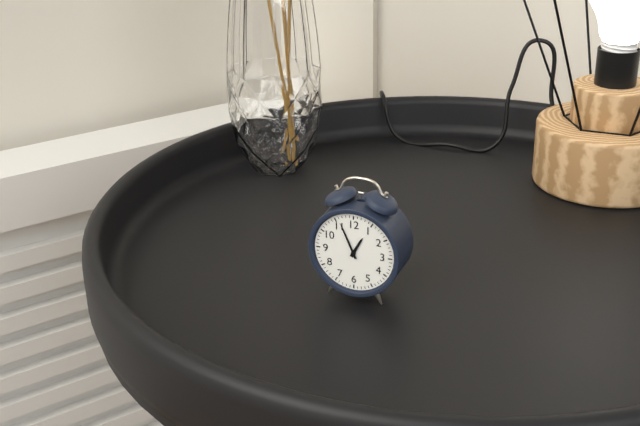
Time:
12:56
